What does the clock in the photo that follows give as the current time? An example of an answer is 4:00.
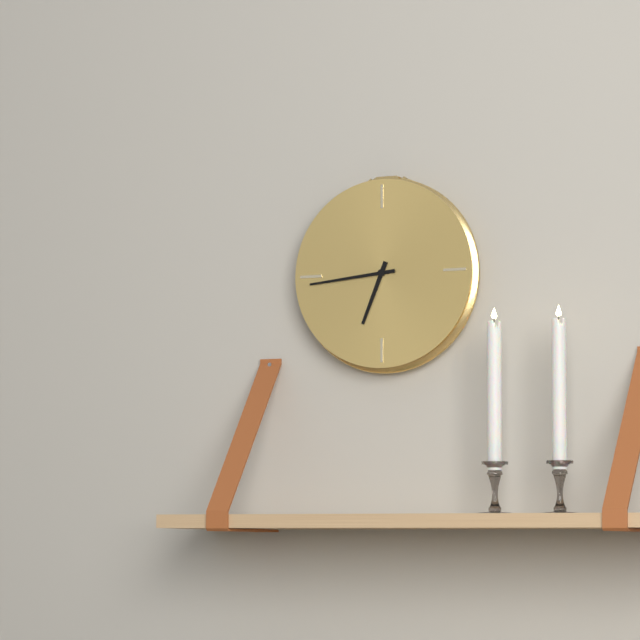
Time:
6:44
